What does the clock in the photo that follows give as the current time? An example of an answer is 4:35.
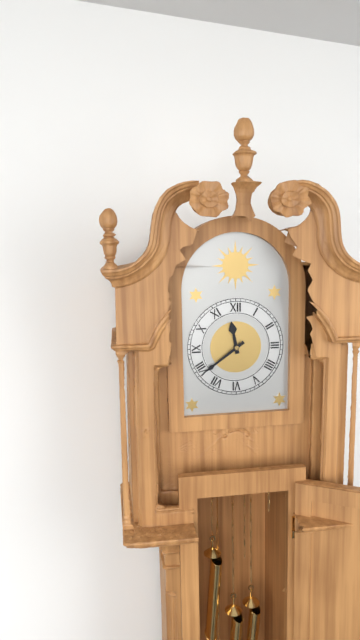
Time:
11:39
